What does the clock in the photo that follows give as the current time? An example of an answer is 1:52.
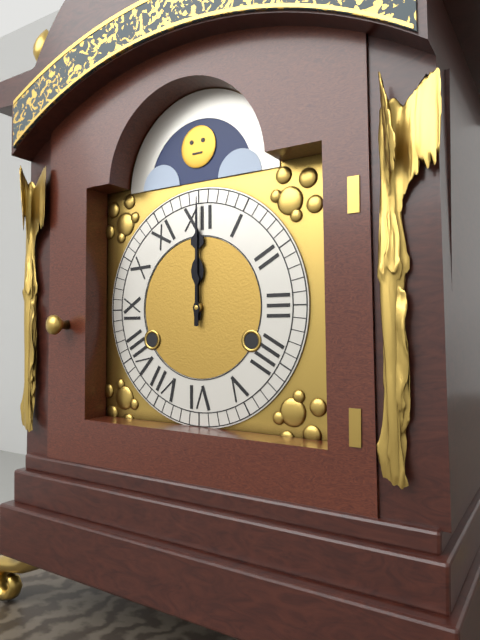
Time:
12:00
